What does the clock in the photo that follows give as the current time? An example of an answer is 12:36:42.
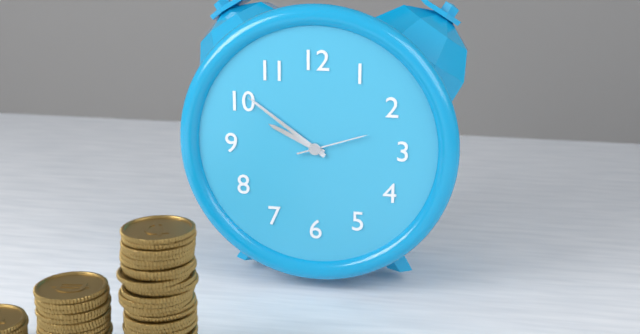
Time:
9:51:12
